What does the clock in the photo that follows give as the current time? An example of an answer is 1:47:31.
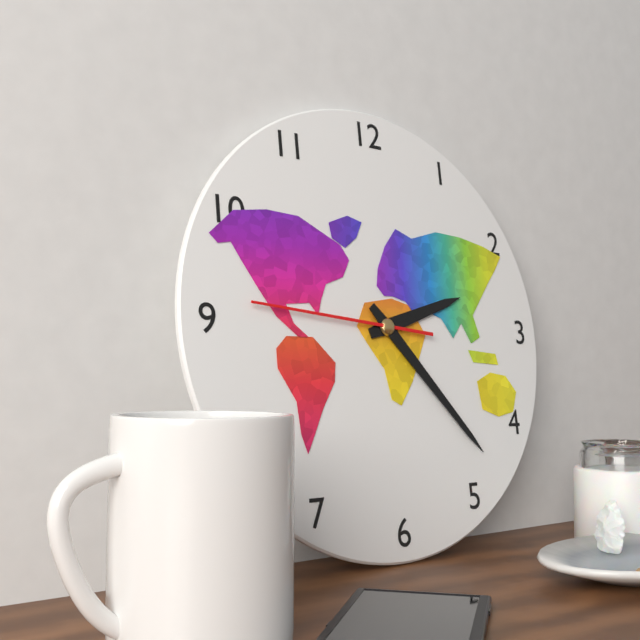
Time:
2:23:46
